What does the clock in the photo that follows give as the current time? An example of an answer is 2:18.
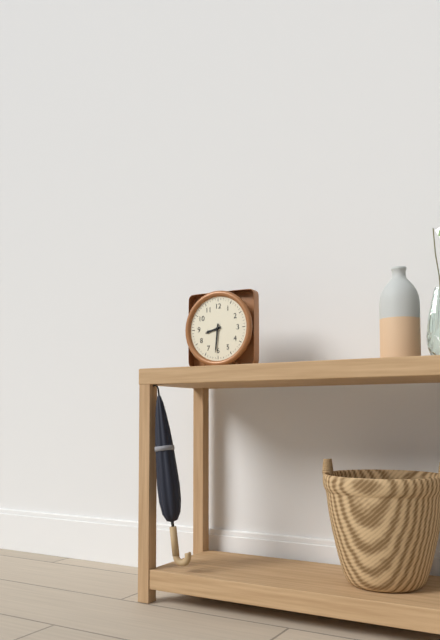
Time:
8:31
